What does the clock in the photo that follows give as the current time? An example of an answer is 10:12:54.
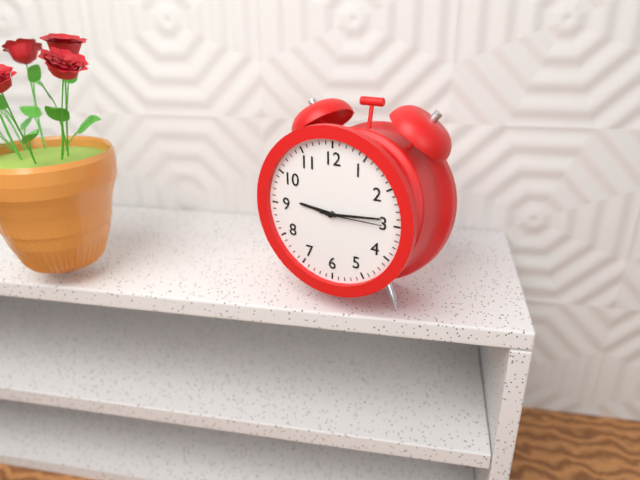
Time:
9:14:15
